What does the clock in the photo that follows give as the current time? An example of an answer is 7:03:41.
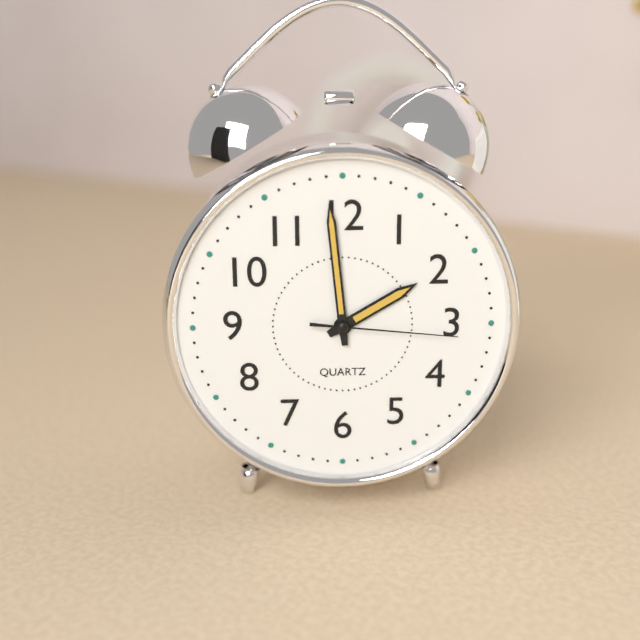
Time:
1:59:16
